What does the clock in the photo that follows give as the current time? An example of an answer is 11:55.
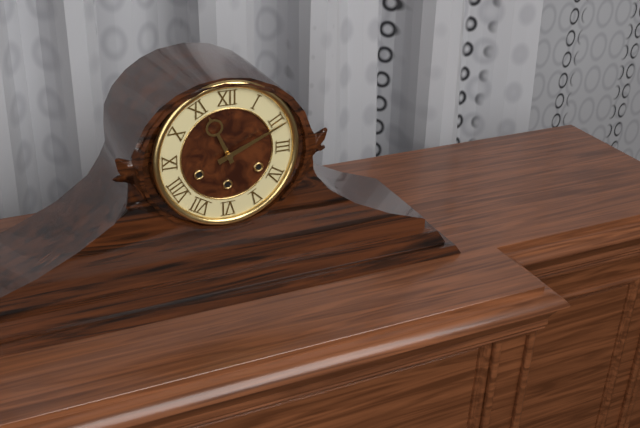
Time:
11:11
